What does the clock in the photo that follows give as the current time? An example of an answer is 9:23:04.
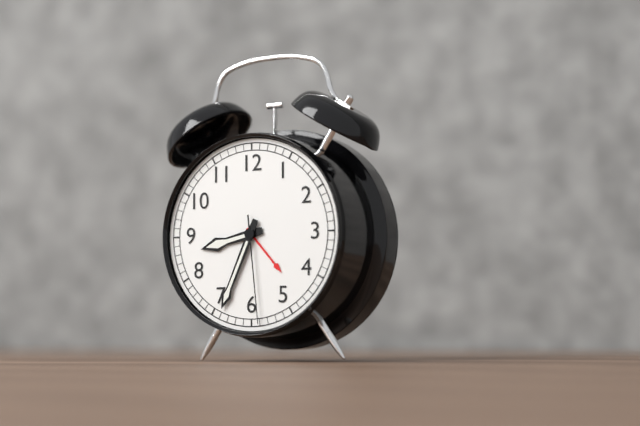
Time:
8:34:29
